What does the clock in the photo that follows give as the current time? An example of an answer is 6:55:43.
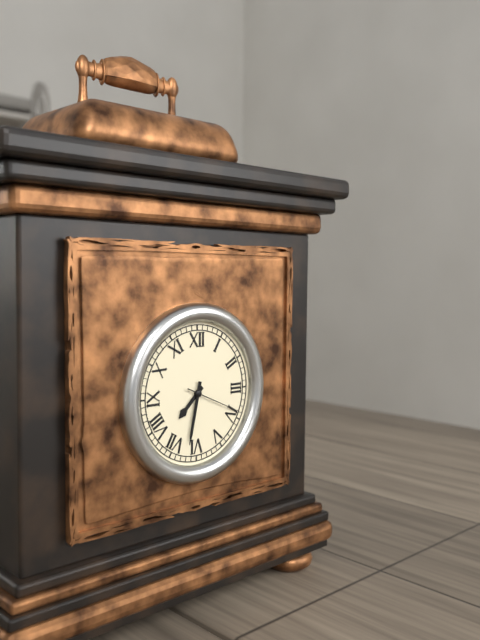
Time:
7:32:19
